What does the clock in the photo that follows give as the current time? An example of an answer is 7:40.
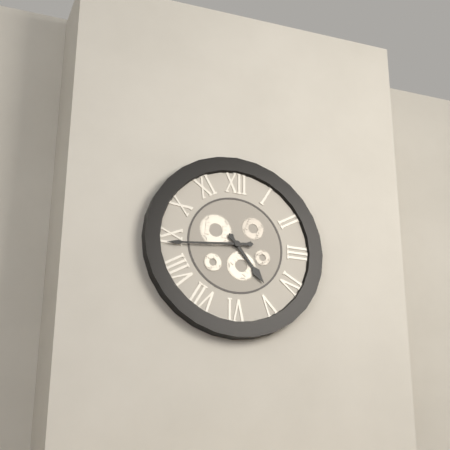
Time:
4:44
